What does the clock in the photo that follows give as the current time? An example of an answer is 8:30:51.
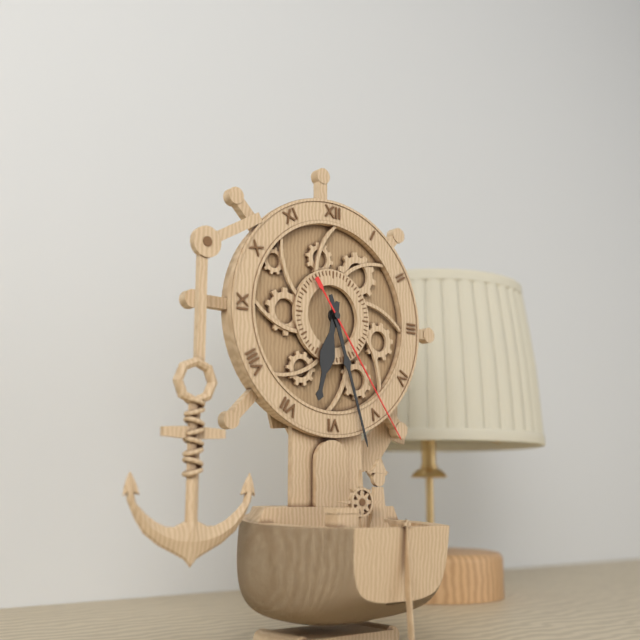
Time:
6:27:24
